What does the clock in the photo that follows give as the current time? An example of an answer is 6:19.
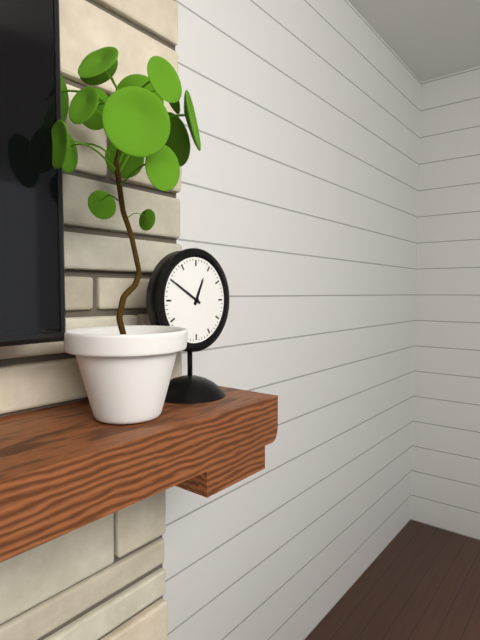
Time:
12:50
